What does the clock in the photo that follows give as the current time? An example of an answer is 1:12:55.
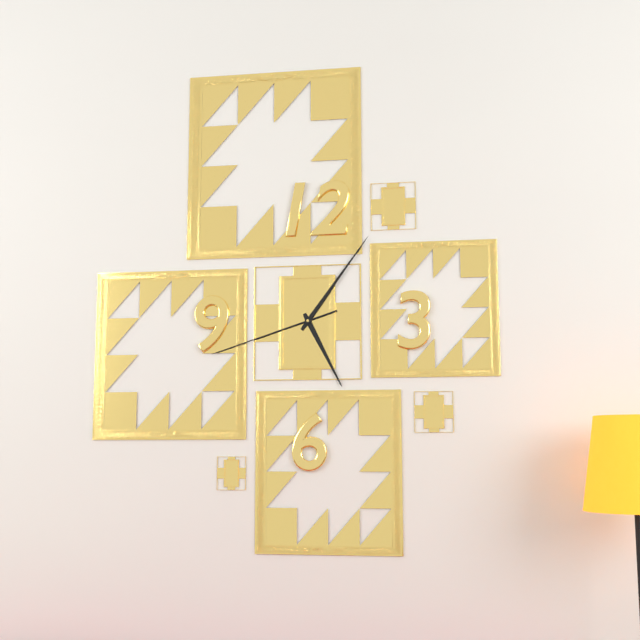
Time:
5:06:42
